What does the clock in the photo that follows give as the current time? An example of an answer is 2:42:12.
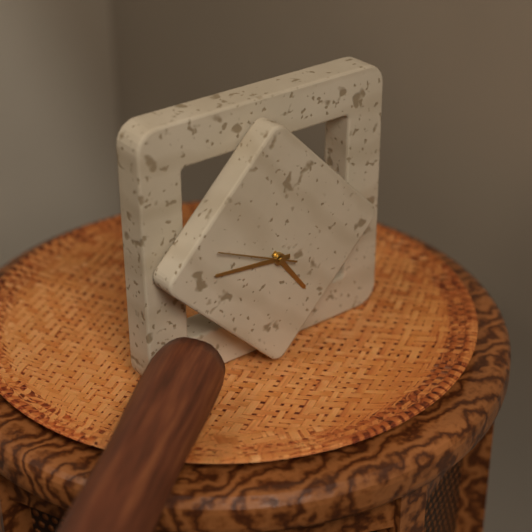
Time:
4:46:49
